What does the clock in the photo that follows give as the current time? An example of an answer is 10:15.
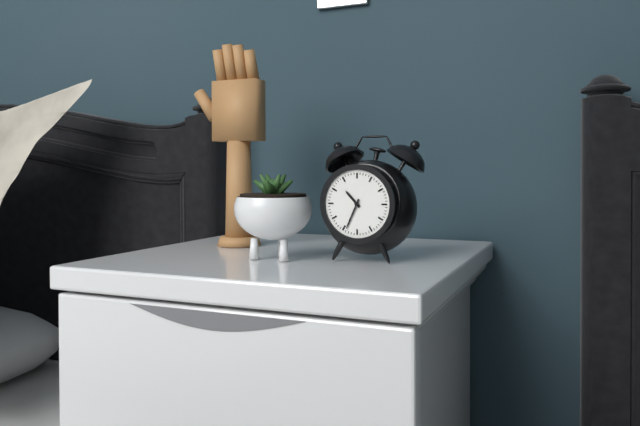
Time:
10:34
